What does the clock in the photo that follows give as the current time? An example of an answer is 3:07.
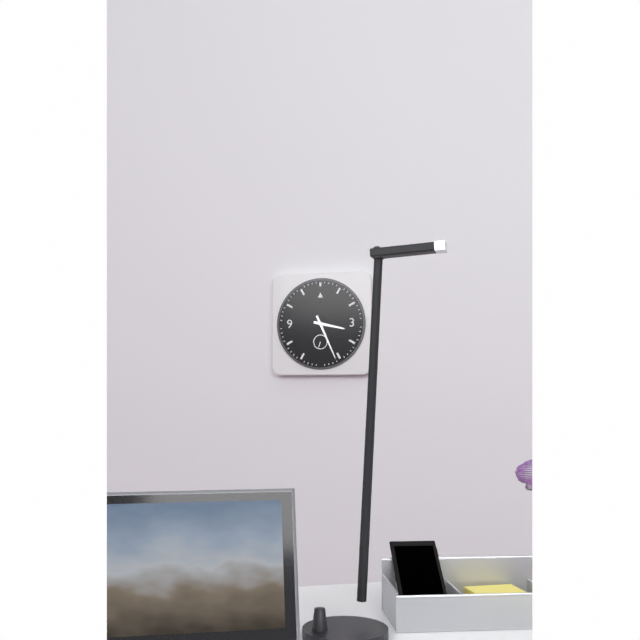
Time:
3:26
